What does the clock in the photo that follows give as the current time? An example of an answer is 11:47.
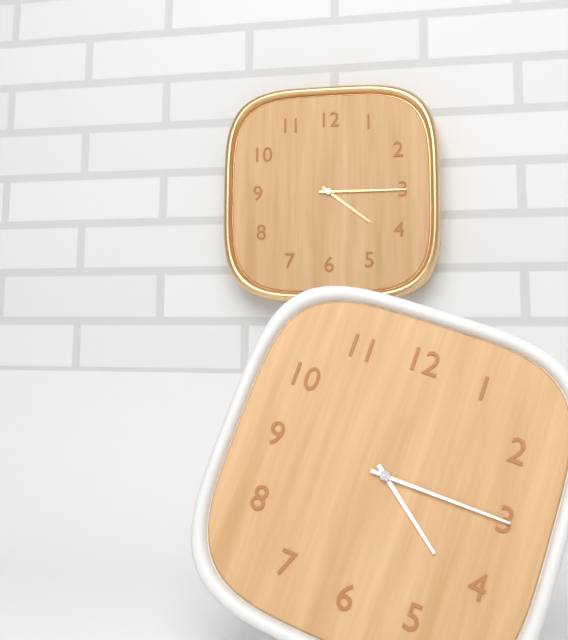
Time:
4:15
